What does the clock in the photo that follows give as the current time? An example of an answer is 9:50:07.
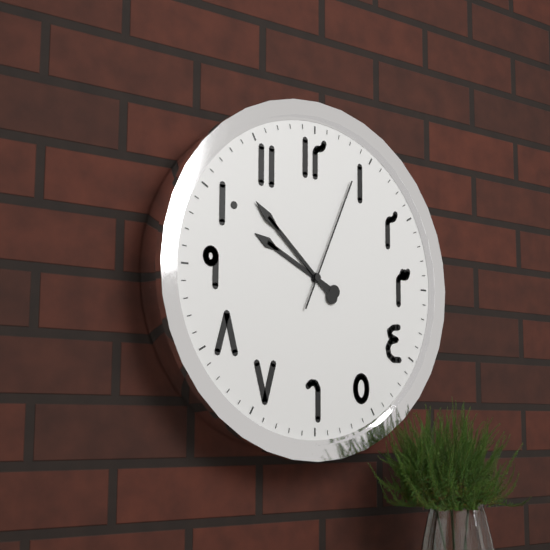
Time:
9:52:04
